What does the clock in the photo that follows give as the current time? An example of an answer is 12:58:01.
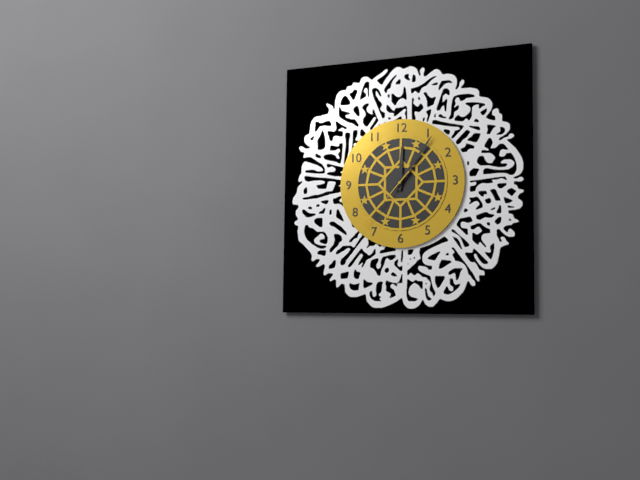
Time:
12:06:37
